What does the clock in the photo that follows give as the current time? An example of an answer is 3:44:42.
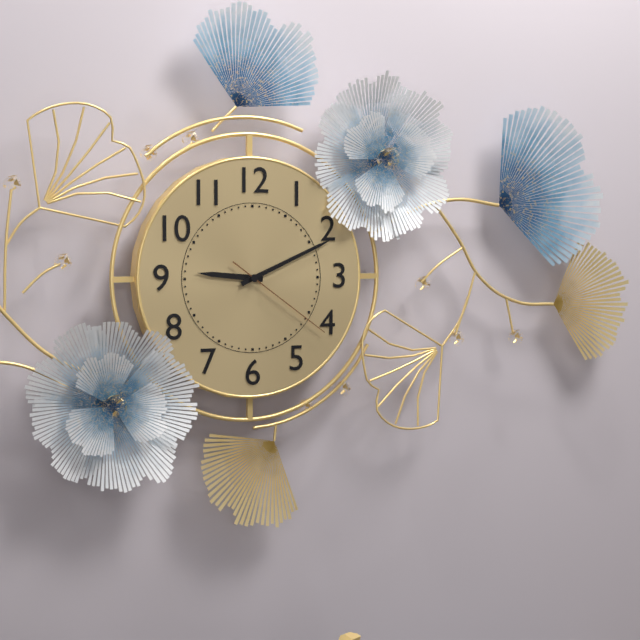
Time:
9:11:21
